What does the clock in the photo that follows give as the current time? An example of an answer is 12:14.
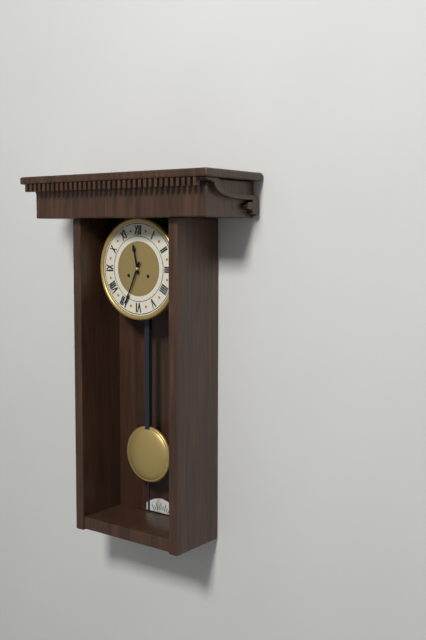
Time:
11:34
